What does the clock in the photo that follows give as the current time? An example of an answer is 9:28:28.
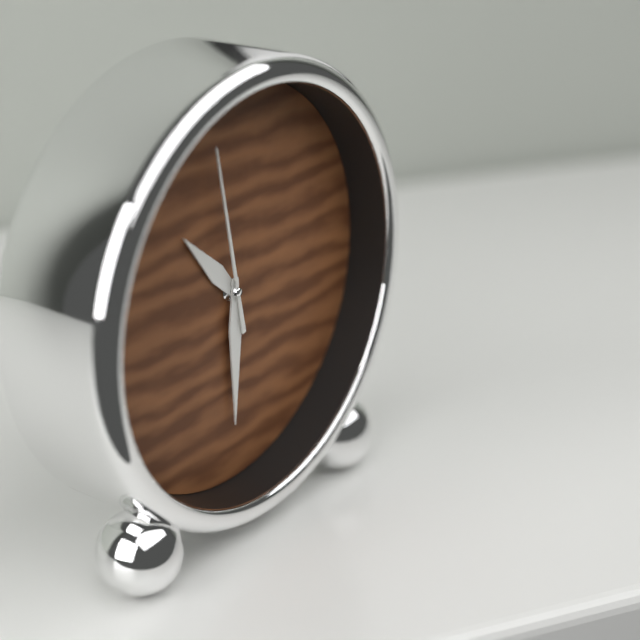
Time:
10:30:58
